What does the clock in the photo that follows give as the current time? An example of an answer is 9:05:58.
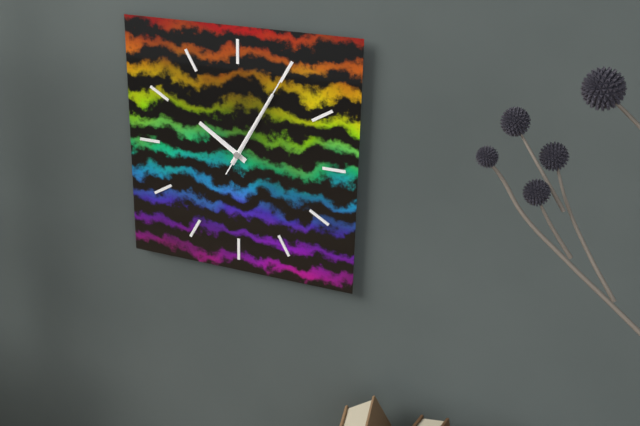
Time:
10:05:05
